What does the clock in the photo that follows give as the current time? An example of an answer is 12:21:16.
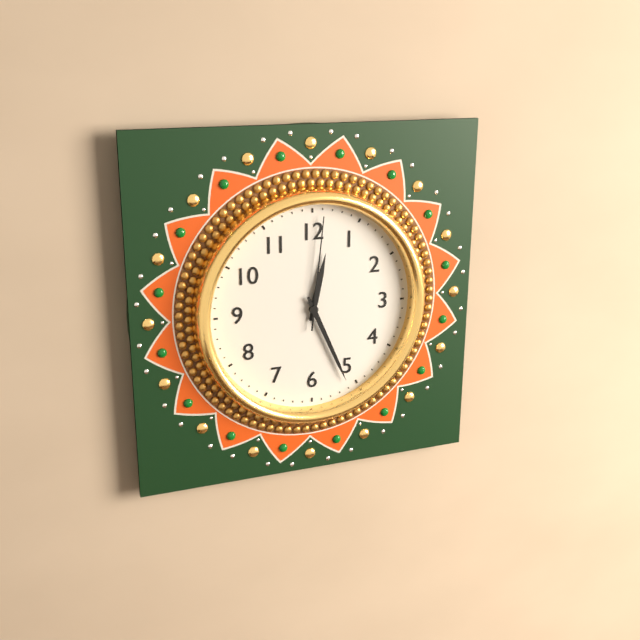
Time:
12:26:01
